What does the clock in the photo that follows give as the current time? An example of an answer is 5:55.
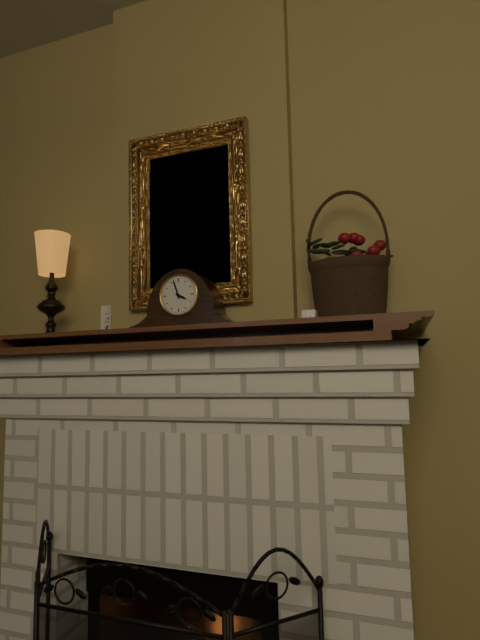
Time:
3:57
